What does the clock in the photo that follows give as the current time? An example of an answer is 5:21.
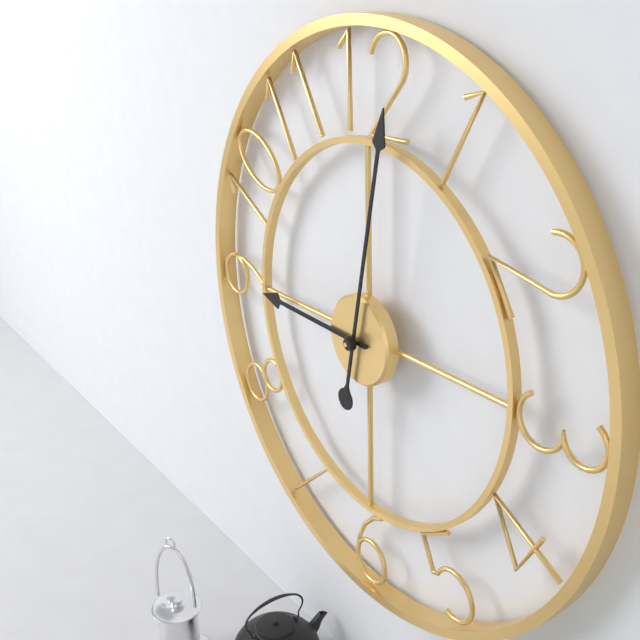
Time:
9:02
